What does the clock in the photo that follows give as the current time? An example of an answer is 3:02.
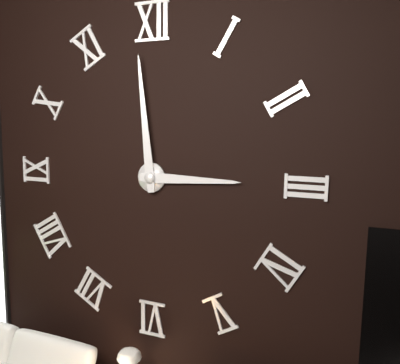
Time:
2:59
